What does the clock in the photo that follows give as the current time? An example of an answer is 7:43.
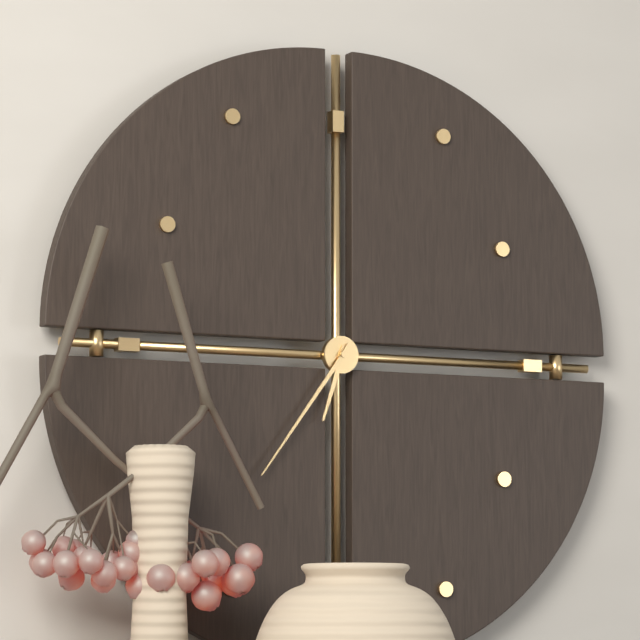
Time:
6:36
